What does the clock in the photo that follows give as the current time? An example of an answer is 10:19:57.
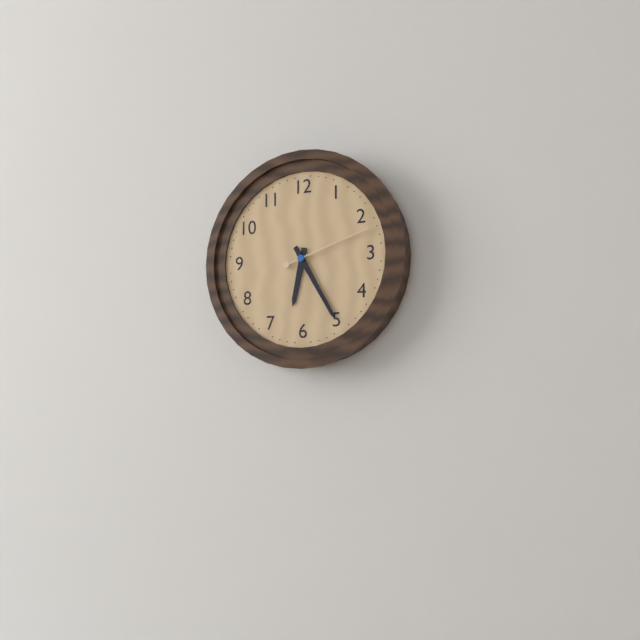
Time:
6:25:12
